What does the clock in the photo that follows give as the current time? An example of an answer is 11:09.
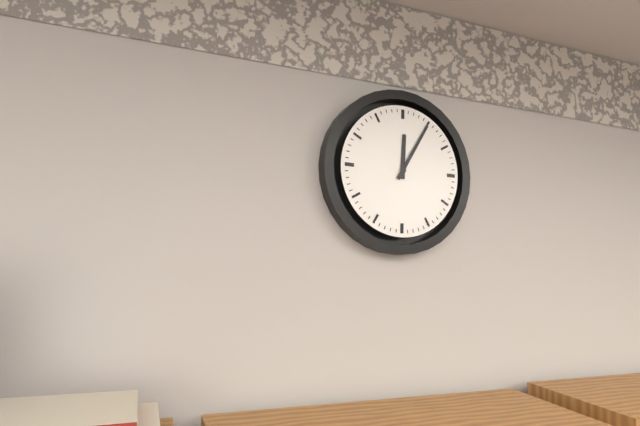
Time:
12:05
